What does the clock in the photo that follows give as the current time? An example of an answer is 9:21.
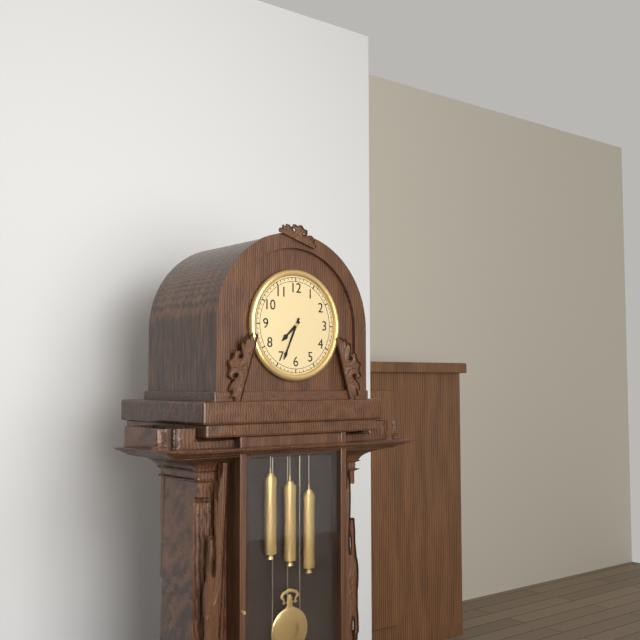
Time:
7:34
